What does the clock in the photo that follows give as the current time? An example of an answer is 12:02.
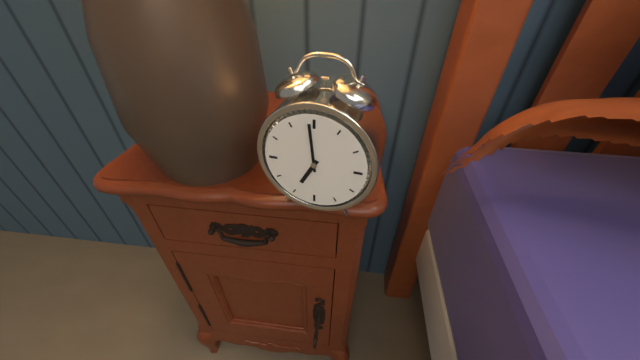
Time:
6:59
